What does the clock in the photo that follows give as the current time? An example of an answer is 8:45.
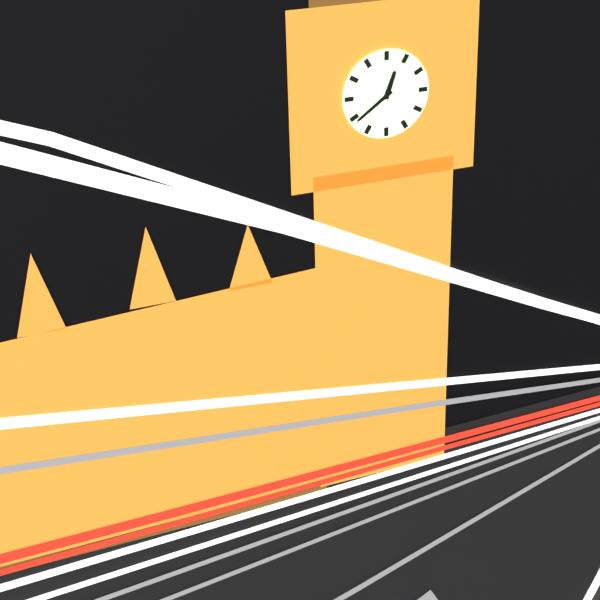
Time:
12:39
